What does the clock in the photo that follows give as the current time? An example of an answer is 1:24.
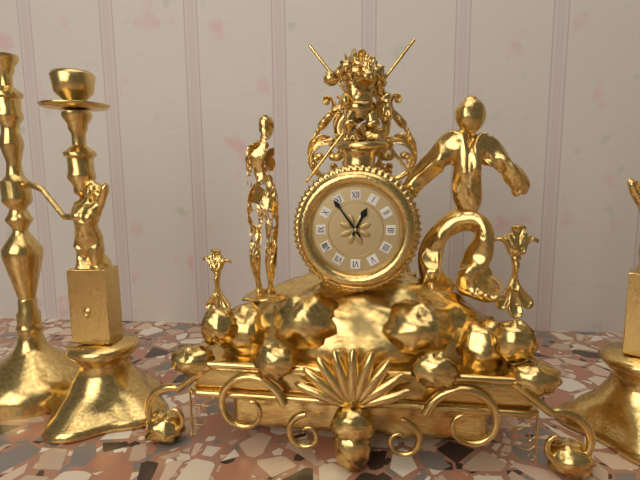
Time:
12:54
